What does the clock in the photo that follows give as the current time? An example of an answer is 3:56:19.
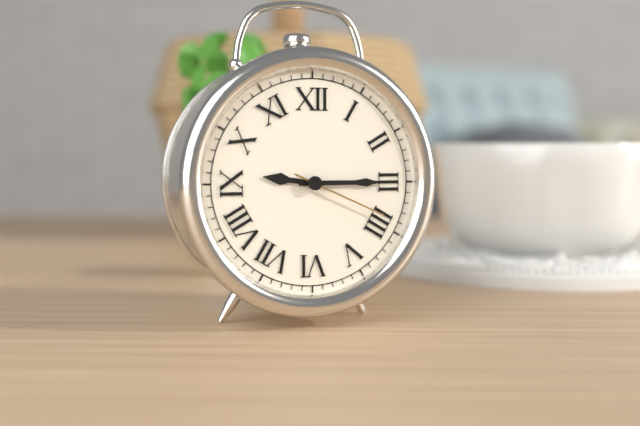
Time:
9:15:19
